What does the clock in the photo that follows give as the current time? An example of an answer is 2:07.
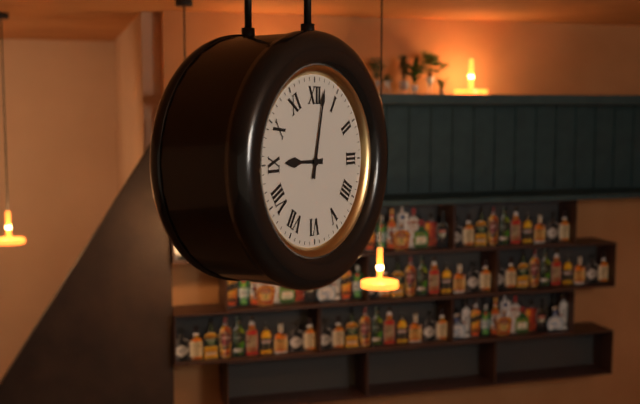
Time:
9:02
